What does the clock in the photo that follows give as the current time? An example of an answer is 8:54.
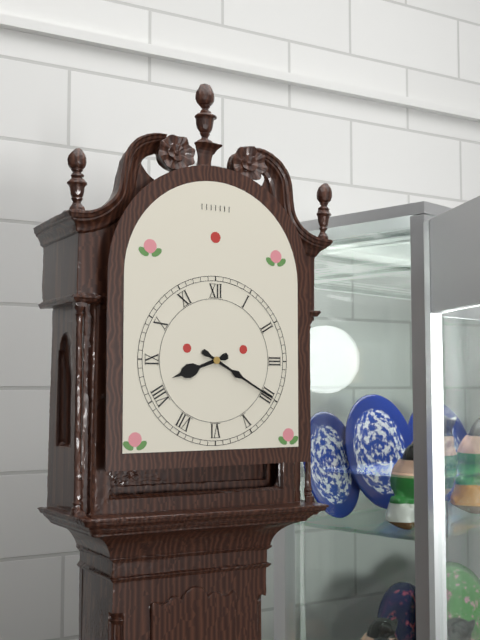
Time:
8:20
